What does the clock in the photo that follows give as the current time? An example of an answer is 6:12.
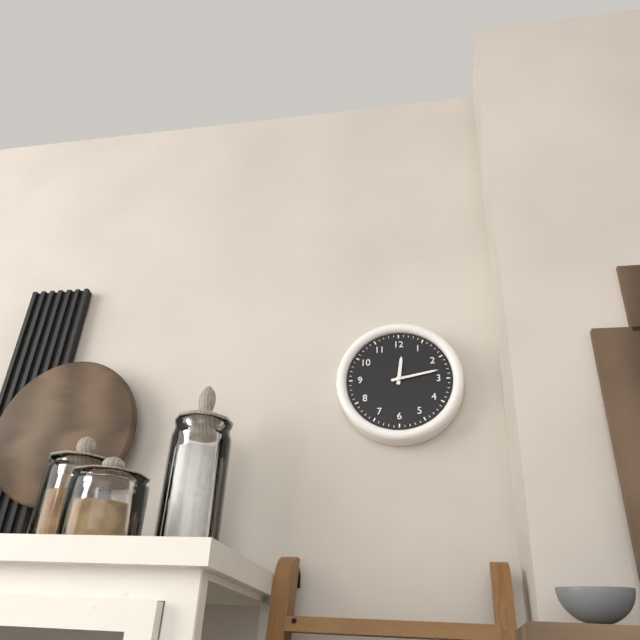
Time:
12:13
